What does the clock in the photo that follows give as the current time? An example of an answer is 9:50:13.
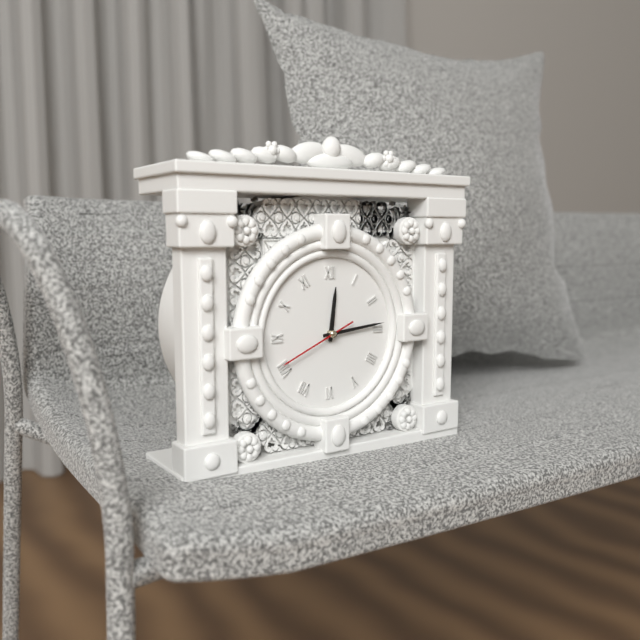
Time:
12:14:41
